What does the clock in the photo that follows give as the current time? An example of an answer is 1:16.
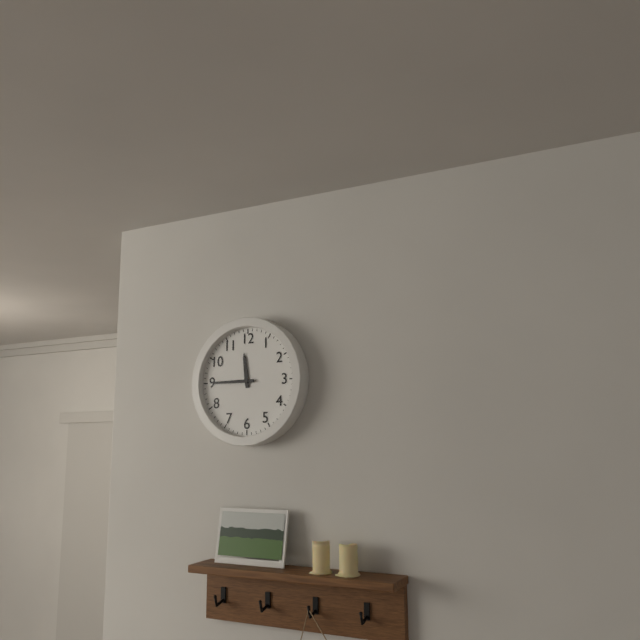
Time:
11:45
